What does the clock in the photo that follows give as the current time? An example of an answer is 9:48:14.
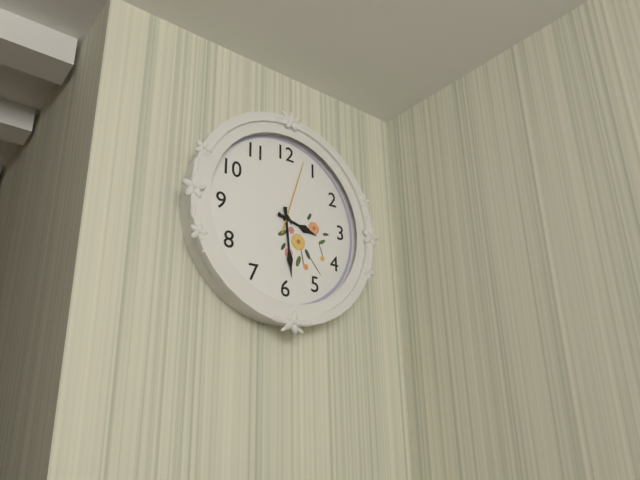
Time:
3:29:03
